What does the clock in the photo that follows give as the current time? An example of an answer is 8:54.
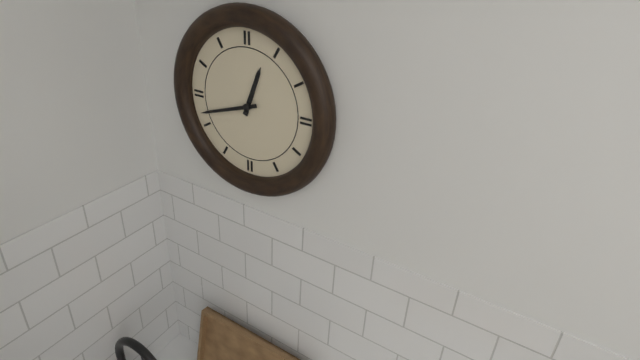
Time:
12:42
